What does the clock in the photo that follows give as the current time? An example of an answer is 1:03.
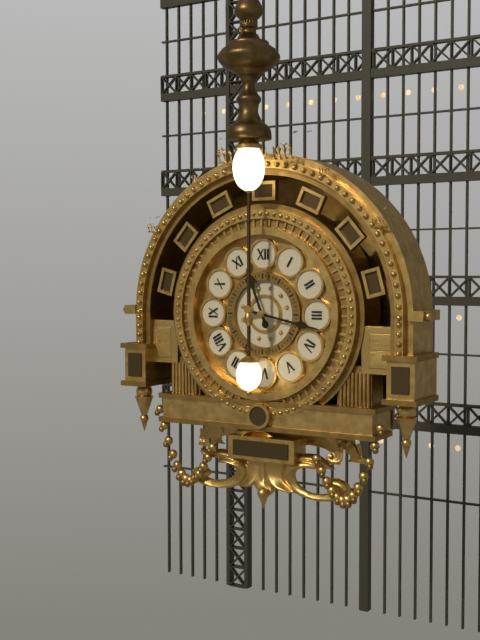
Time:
11:17
